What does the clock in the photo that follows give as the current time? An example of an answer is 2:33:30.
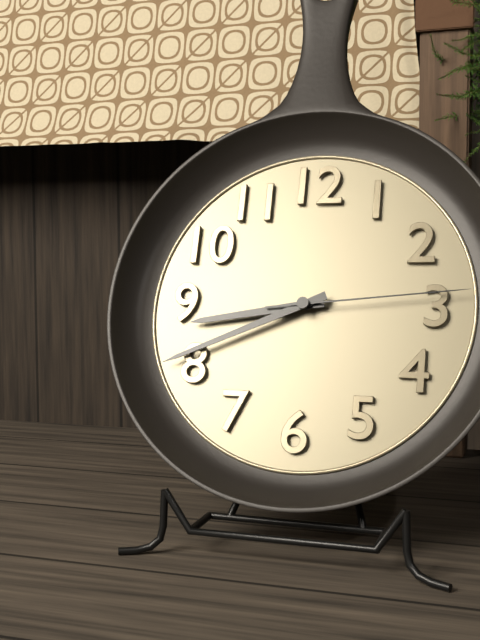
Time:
8:41:14
